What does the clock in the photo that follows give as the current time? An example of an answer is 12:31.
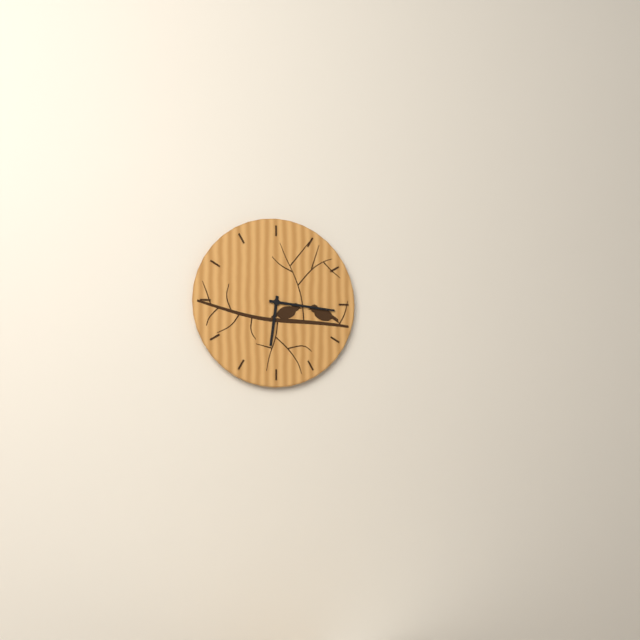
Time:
6:16
